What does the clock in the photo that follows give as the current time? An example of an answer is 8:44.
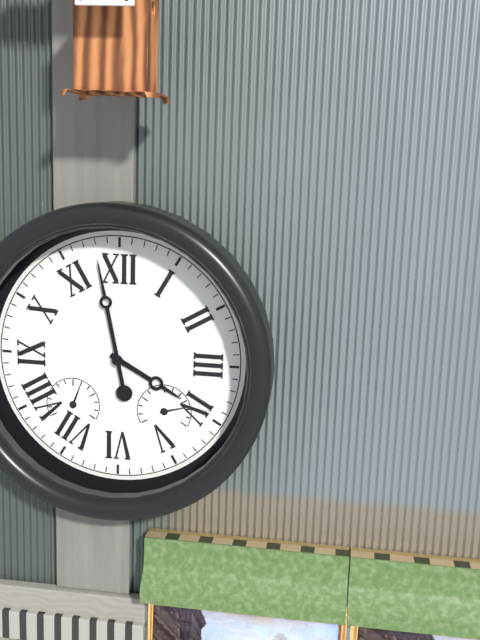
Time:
3:58
